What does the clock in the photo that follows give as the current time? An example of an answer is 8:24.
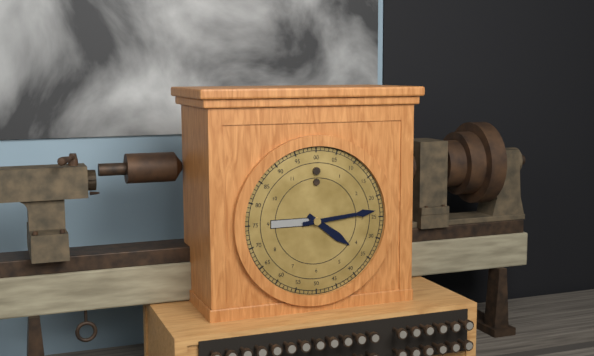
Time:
4:14
